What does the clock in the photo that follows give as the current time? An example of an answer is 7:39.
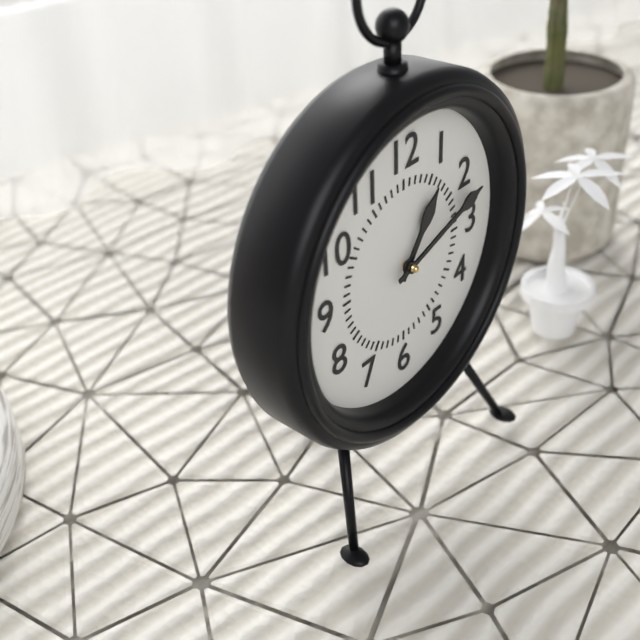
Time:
1:12
